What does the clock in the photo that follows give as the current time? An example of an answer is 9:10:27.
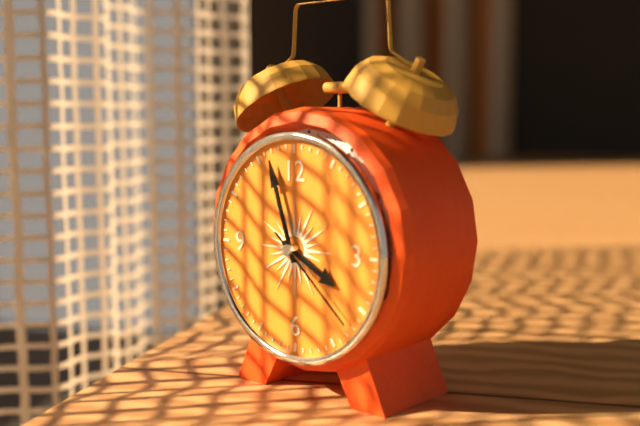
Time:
3:57:22
